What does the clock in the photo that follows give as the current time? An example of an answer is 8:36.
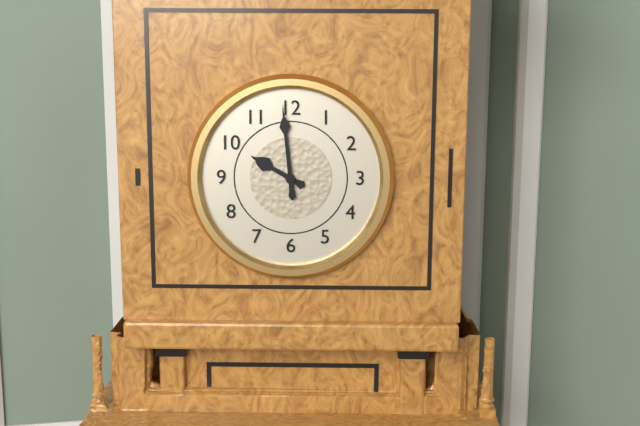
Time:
9:59
